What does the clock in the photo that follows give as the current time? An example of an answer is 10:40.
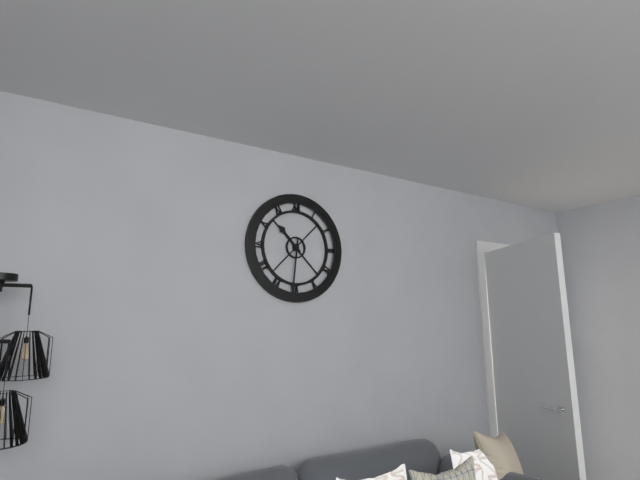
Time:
10:31
